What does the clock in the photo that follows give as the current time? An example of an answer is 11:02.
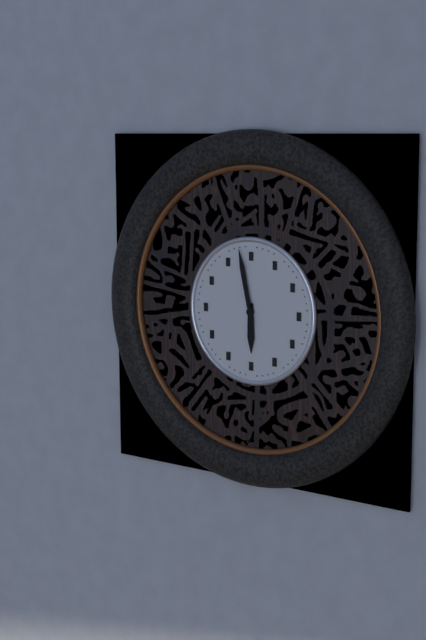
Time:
5:58
